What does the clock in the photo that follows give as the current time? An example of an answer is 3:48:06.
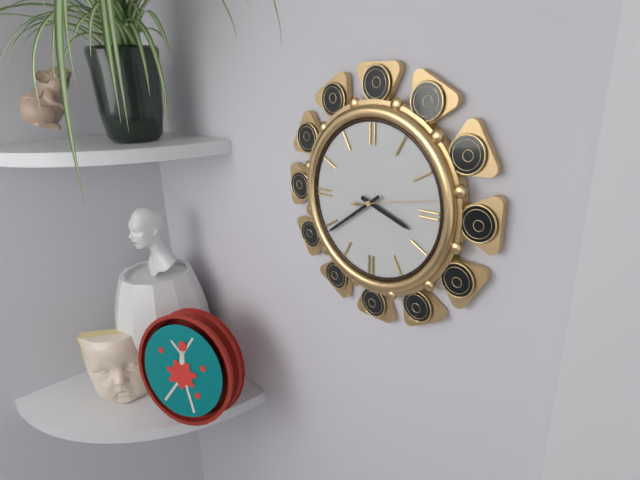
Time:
3:39:13
